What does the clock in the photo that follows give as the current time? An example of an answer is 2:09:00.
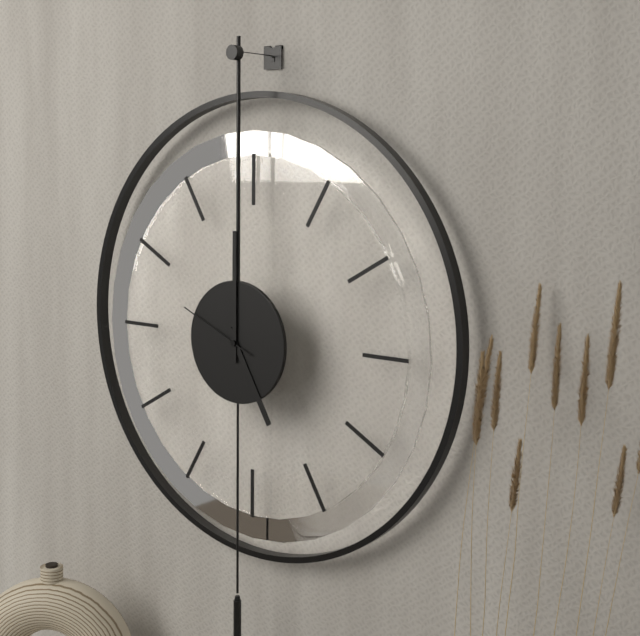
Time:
5:00:49
